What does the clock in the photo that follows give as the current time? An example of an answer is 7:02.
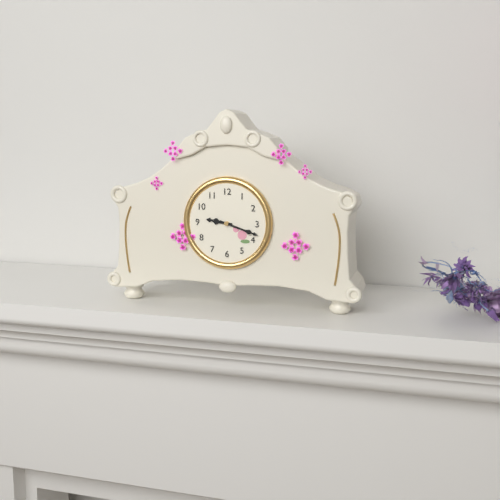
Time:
9:18
